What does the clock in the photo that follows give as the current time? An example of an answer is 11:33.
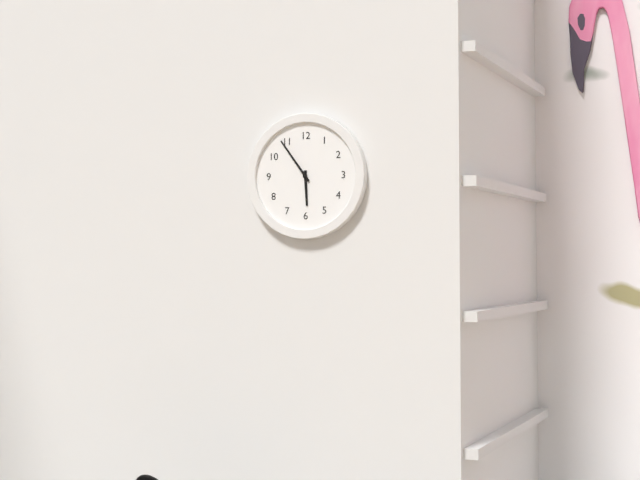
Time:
5:54
